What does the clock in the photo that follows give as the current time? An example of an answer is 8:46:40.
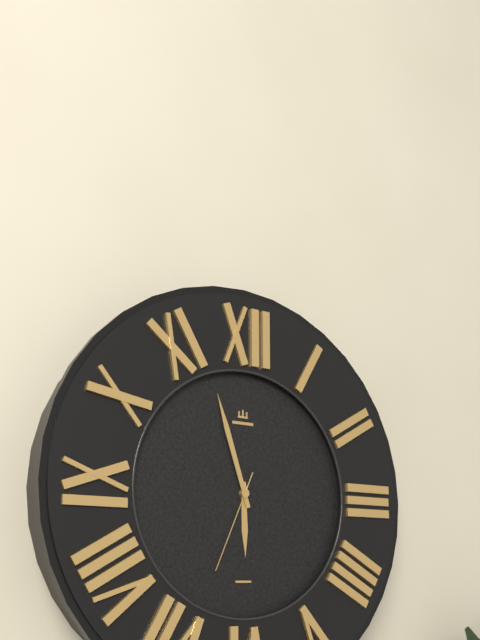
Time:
5:57:34
